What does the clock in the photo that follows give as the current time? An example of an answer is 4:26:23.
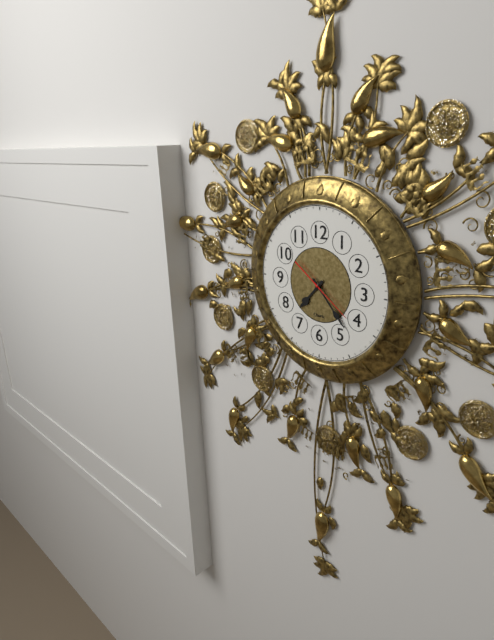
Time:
7:23:21
